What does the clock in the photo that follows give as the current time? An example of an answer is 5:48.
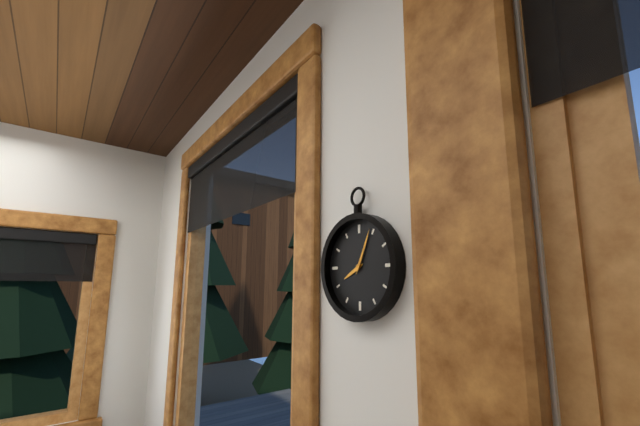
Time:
8:04
